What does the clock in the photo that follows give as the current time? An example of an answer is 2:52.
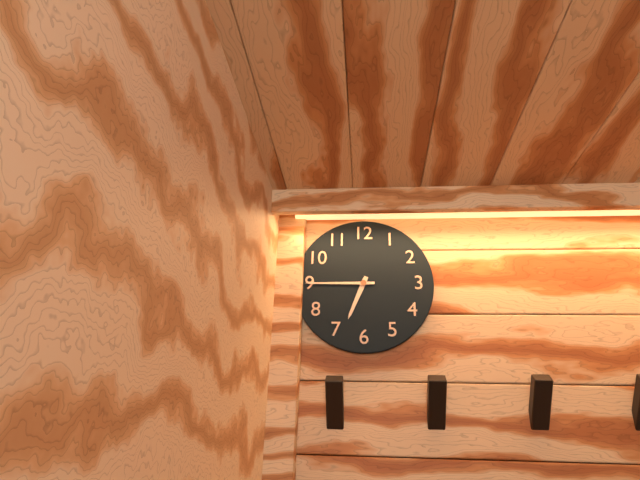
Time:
6:45
